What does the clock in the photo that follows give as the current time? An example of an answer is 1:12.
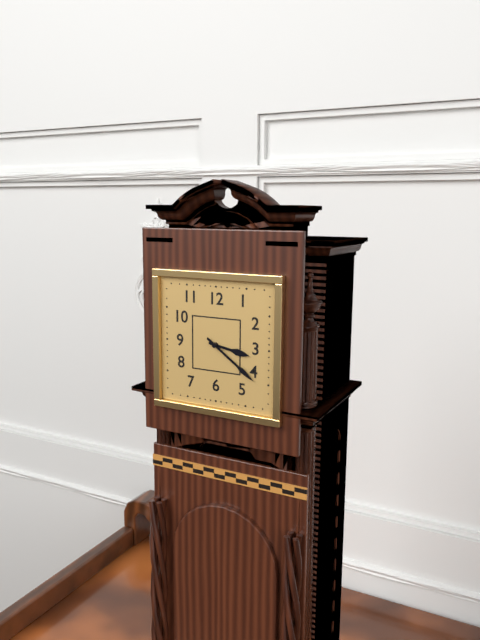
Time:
3:21
